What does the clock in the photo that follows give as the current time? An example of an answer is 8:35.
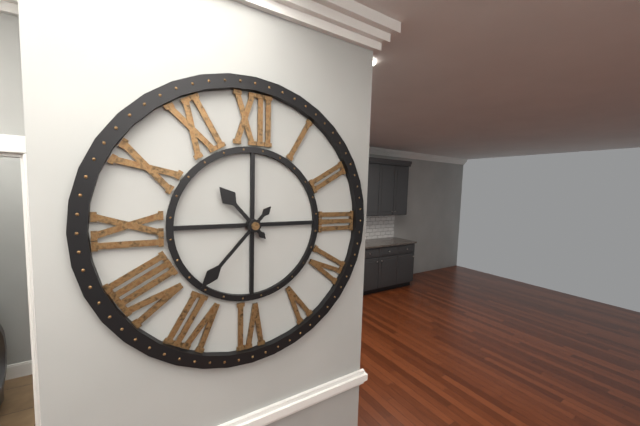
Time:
10:37
